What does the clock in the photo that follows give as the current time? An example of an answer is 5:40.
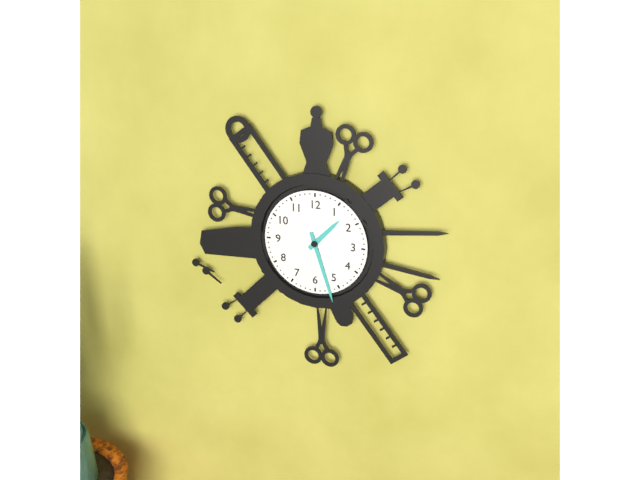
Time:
1:27
